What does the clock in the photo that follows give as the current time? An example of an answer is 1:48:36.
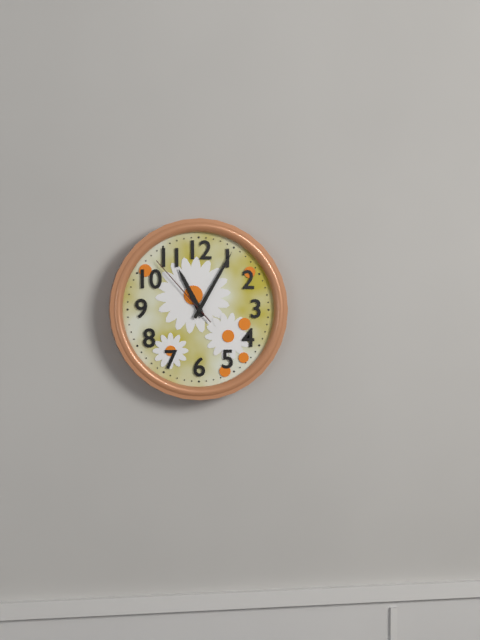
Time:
11:05:53
